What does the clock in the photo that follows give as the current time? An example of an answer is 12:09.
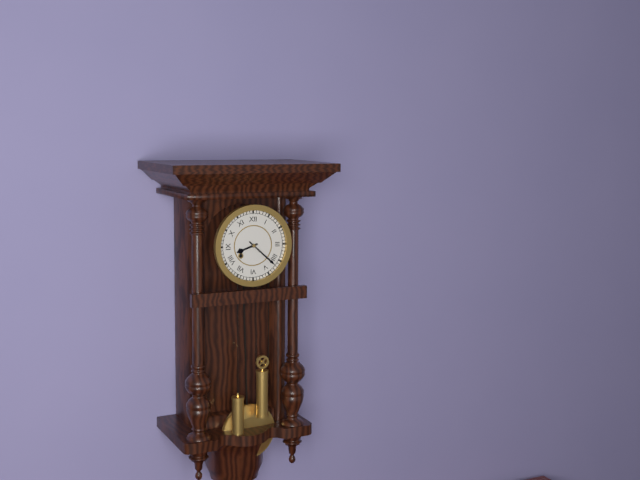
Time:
8:22
